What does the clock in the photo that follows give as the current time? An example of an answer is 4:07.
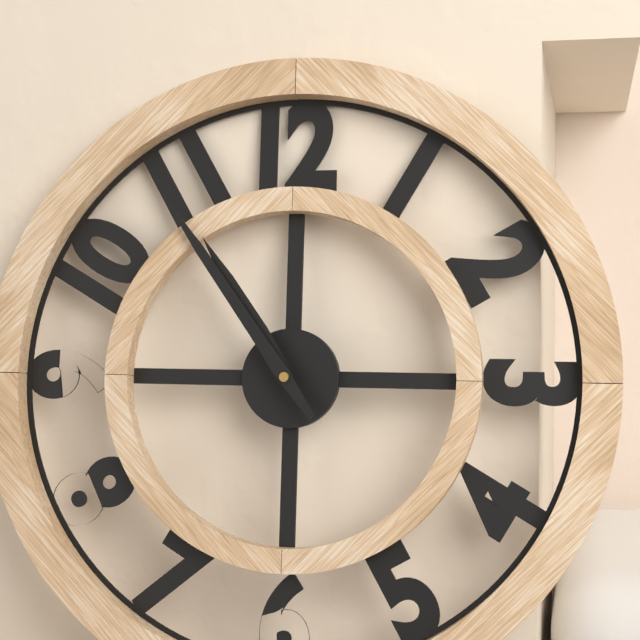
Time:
10:54
